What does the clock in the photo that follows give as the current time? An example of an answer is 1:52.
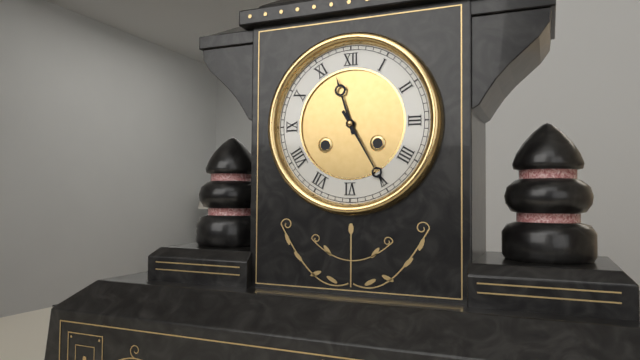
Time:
11:25
